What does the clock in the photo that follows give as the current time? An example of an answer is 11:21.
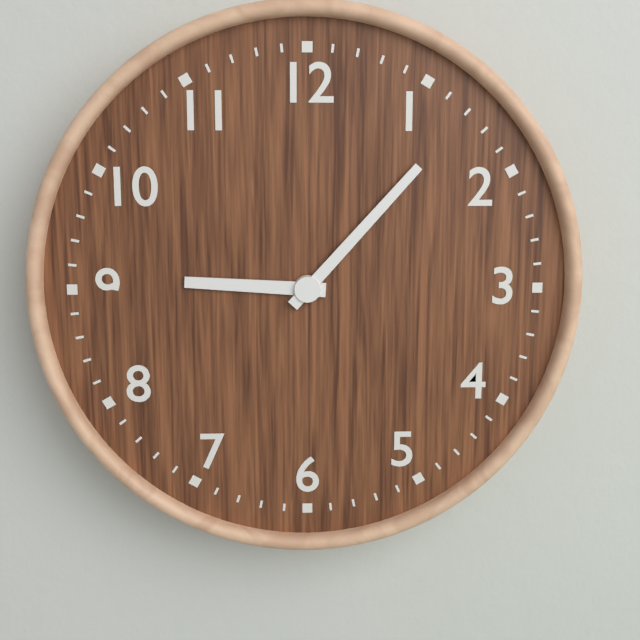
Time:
9:07
